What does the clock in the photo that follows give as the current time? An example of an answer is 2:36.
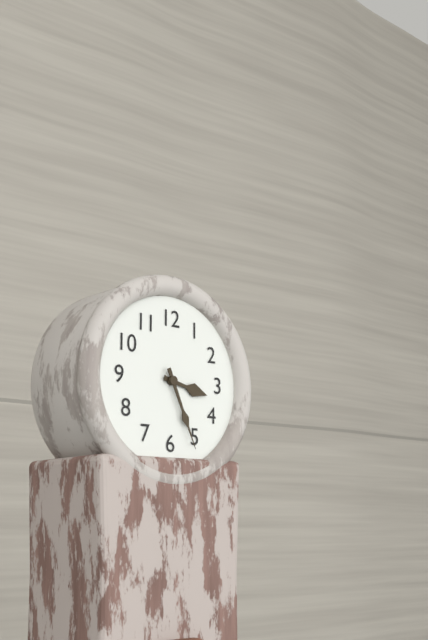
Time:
3:26
